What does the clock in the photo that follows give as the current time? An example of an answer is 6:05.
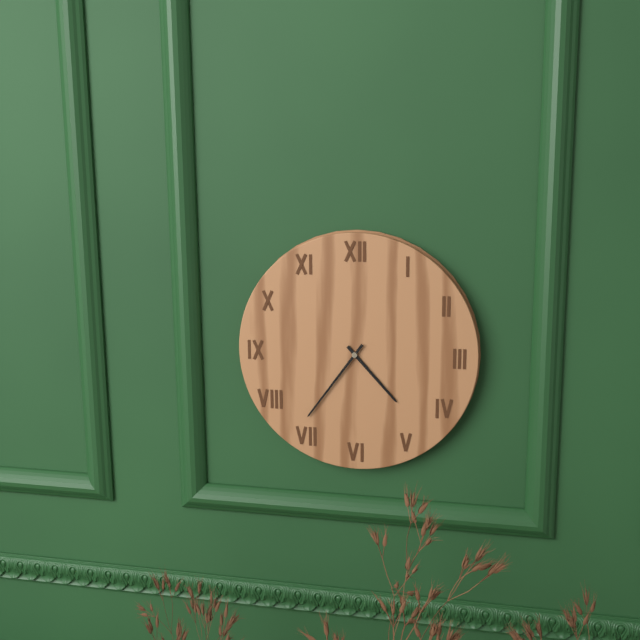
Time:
4:36
